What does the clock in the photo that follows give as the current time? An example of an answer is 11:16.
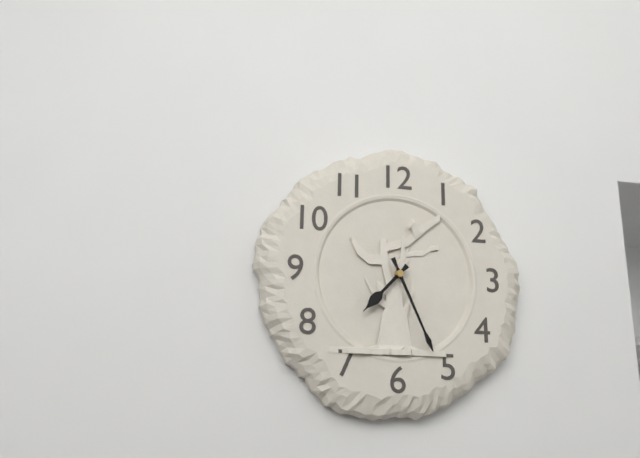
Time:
7:26
